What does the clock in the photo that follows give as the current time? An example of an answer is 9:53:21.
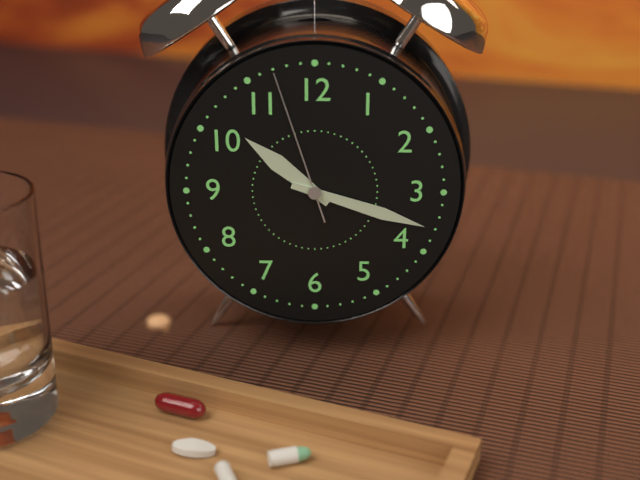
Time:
10:18:57
